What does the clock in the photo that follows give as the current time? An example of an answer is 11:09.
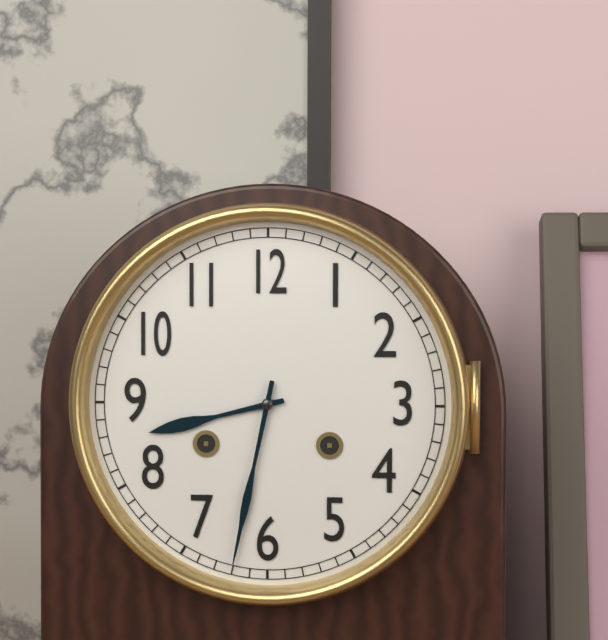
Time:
8:32
